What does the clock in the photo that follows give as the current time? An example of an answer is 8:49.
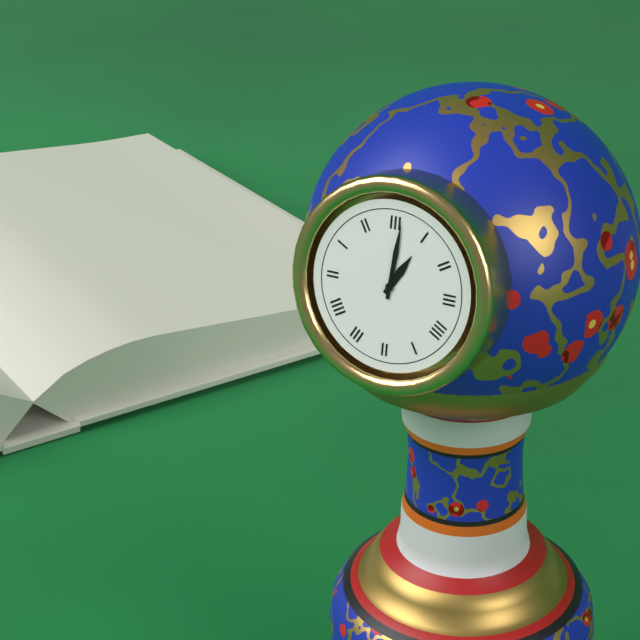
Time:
1:01
